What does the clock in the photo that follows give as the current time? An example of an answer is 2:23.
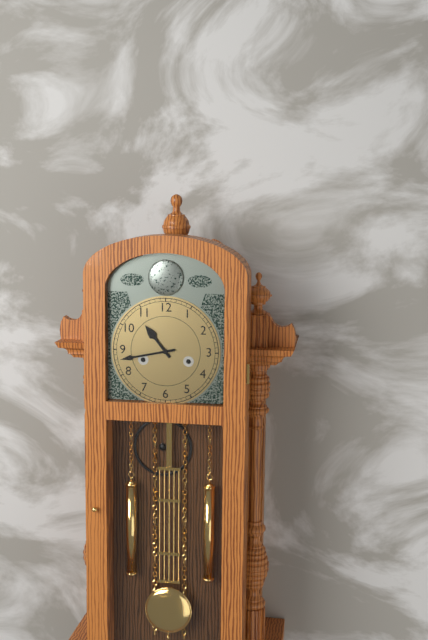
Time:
10:43
